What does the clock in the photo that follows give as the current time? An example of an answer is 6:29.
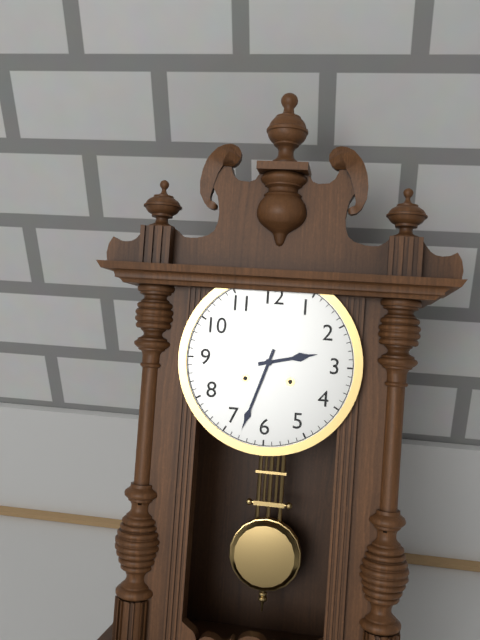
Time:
2:33
